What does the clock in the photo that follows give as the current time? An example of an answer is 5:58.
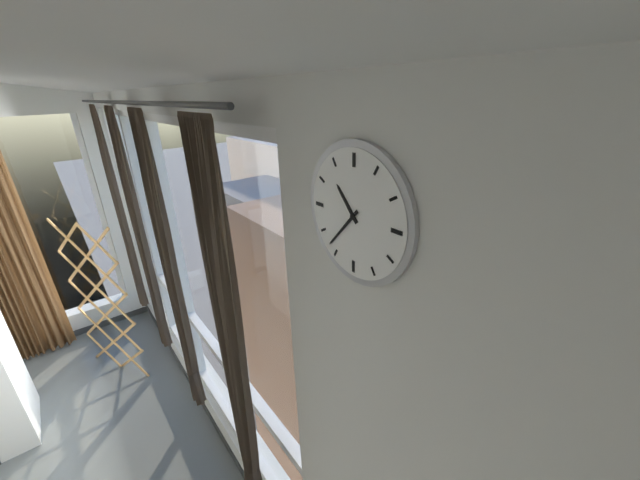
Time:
10:37
